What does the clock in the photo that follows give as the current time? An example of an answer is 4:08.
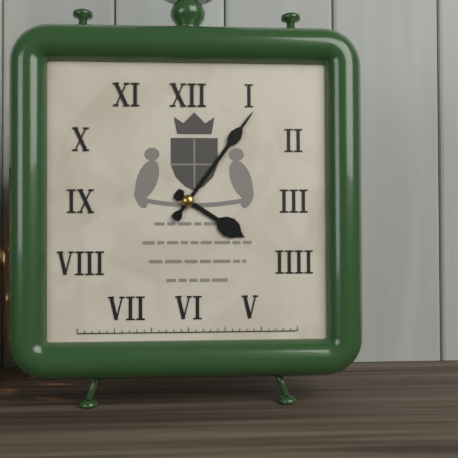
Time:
4:06
